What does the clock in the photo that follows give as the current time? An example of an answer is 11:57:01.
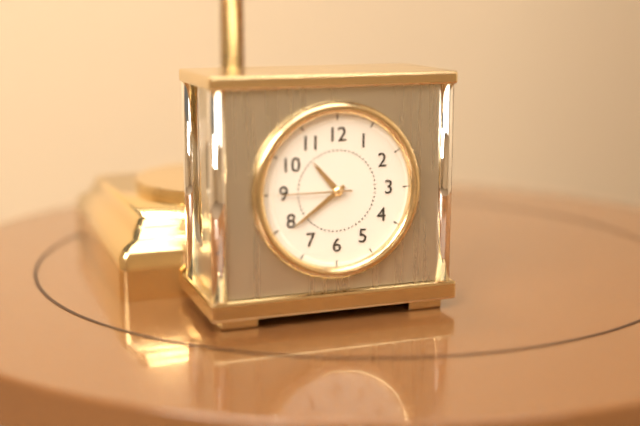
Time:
10:39:45
